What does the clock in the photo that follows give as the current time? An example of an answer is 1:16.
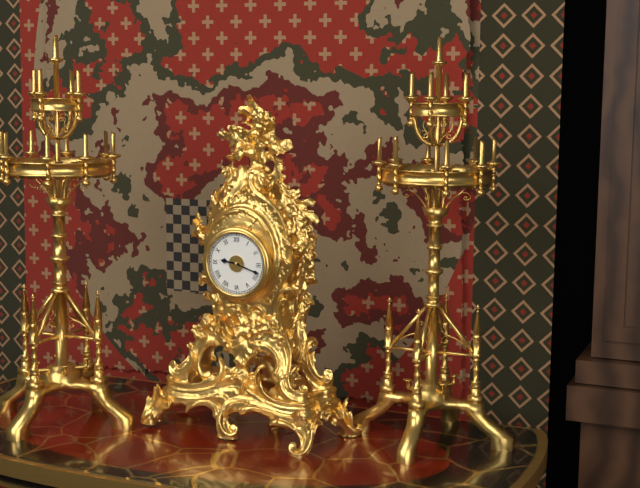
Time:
9:18
